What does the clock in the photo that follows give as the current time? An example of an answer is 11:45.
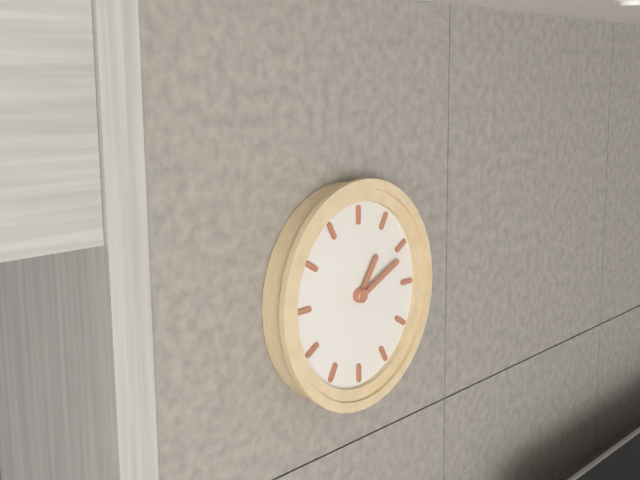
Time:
1:11
